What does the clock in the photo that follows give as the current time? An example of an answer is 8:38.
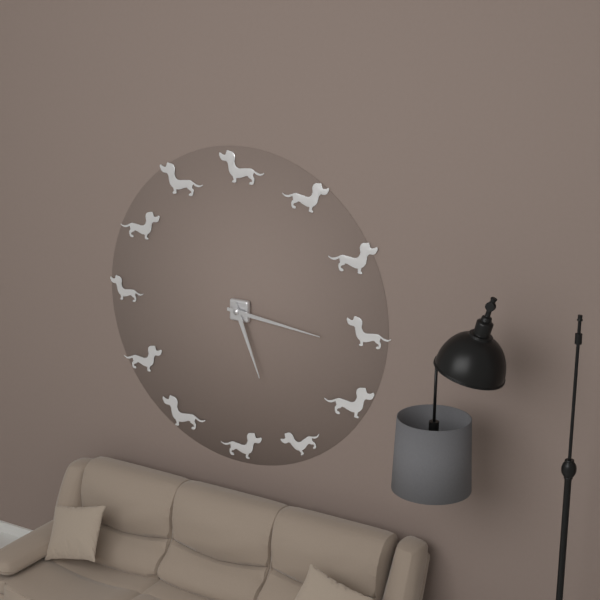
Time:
5:16
